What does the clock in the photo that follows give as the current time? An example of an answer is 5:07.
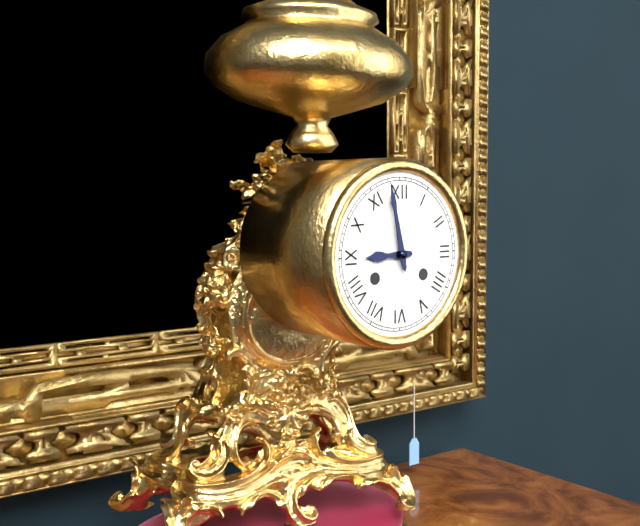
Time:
8:58
